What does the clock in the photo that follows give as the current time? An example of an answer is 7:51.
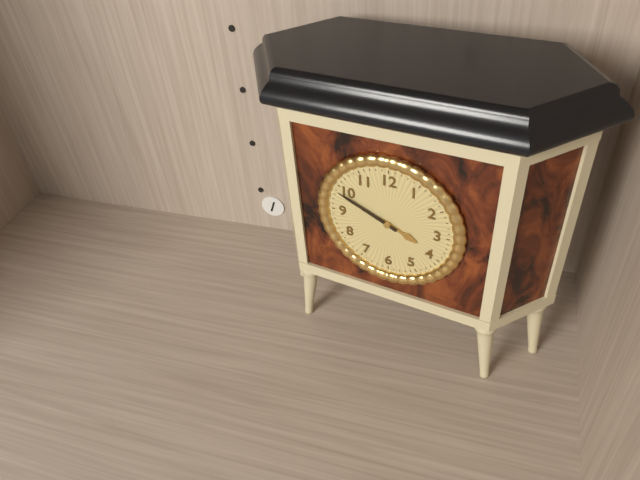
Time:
3:49
